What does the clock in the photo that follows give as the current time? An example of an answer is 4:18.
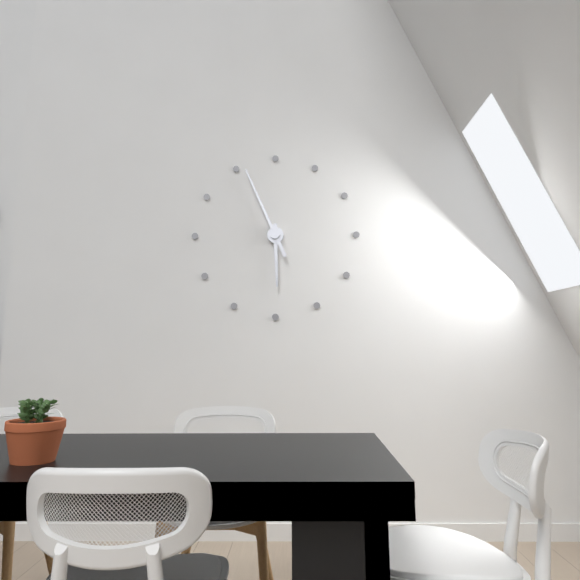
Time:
5:56
